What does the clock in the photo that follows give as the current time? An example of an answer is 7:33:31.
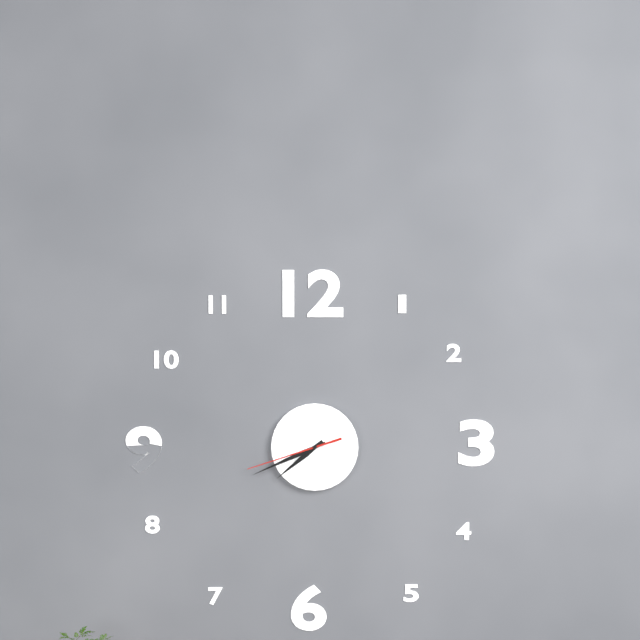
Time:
7:41:42
